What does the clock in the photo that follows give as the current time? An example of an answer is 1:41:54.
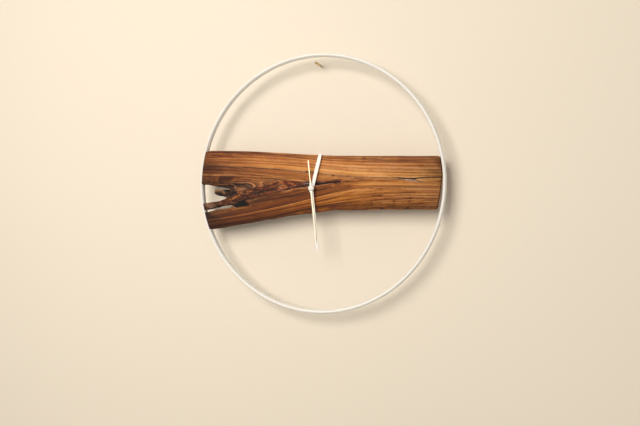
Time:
12:29:29
